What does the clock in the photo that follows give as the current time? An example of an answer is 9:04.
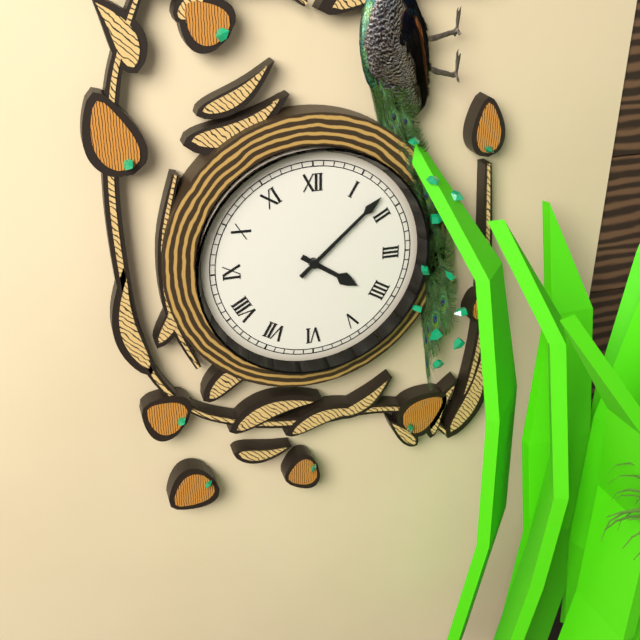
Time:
4:08
